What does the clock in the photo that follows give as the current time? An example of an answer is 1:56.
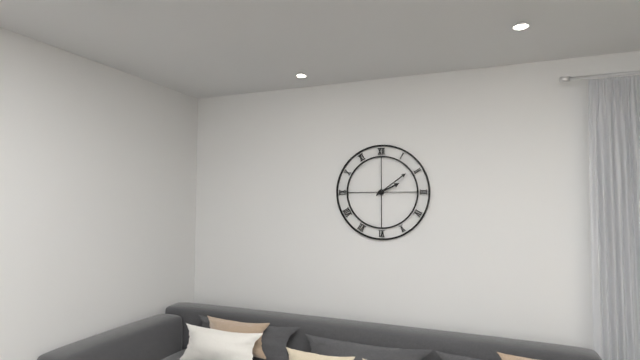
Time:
2:09
